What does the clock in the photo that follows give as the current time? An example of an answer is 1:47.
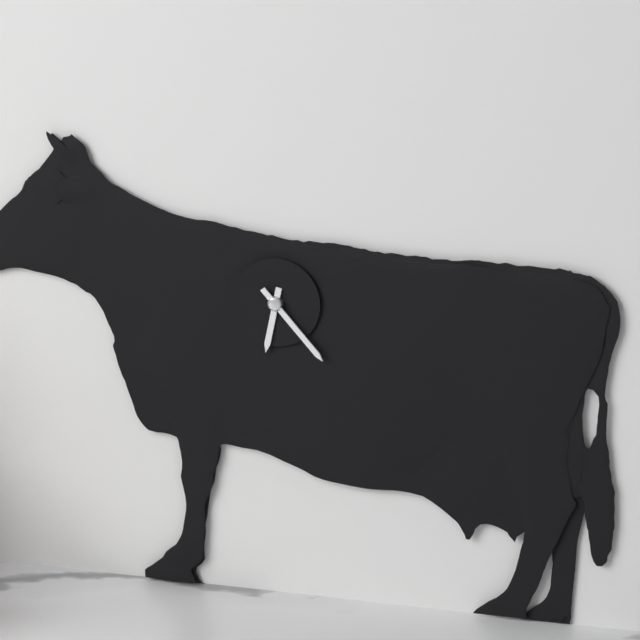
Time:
6:23
